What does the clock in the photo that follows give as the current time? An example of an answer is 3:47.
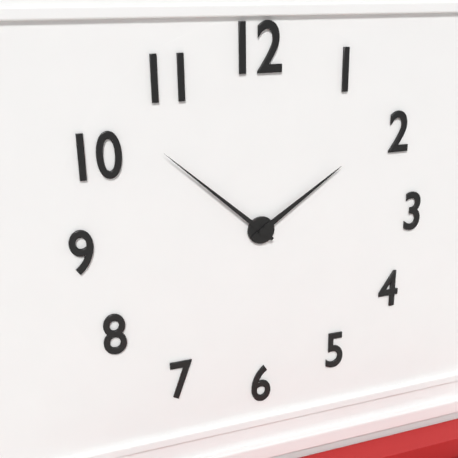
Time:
1:52
